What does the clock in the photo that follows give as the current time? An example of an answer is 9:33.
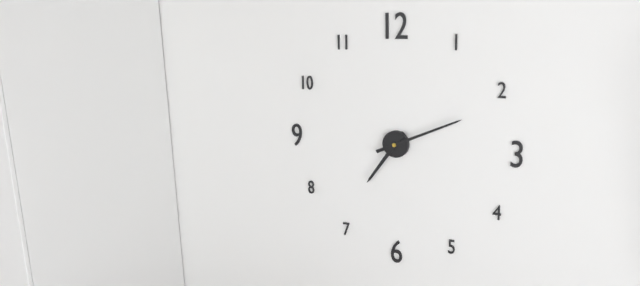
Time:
7:11
